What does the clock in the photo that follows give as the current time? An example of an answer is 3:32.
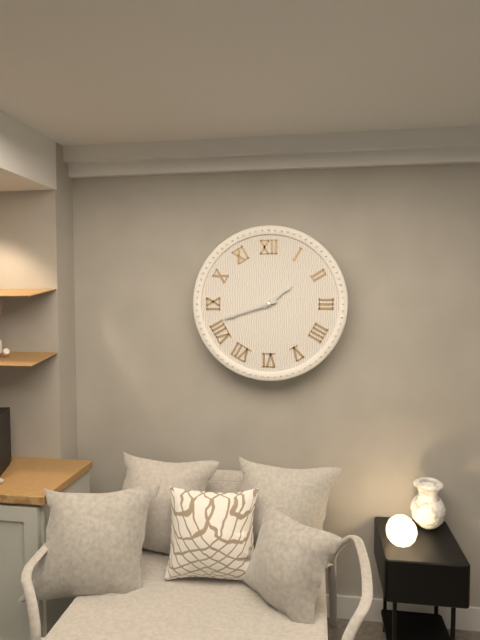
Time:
1:42
